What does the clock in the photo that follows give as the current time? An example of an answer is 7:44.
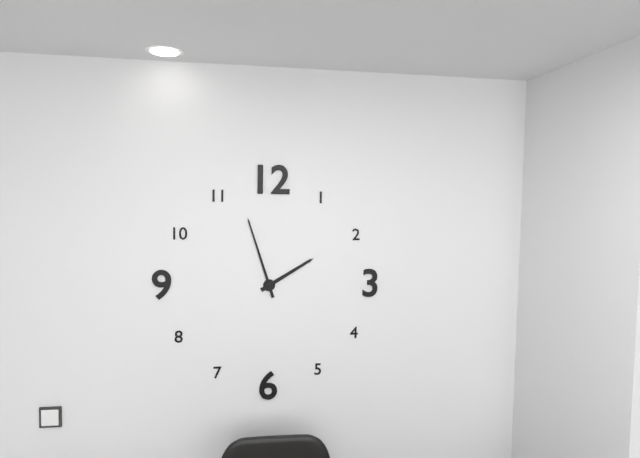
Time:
1:57
